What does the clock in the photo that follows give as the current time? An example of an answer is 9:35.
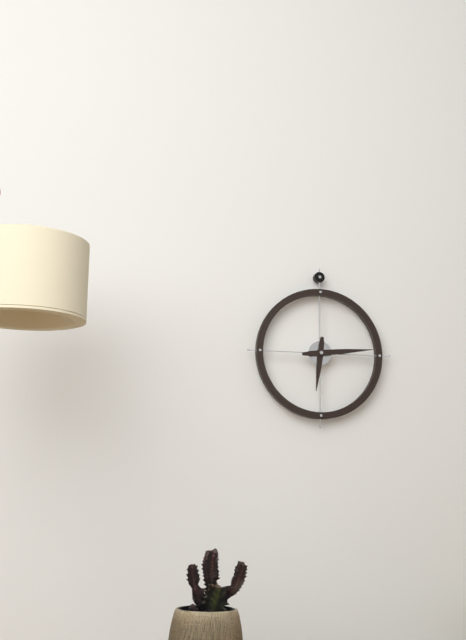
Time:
6:14
